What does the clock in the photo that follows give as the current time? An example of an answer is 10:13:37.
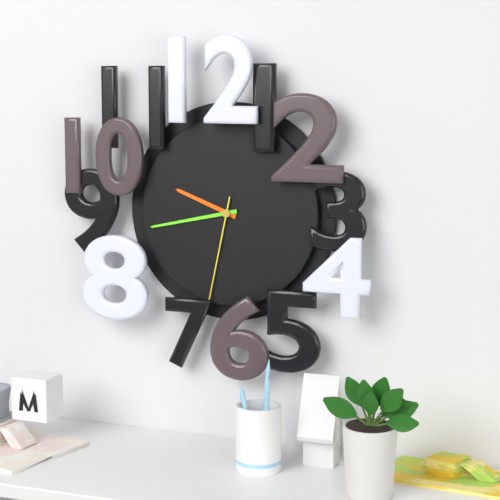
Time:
9:43:32
